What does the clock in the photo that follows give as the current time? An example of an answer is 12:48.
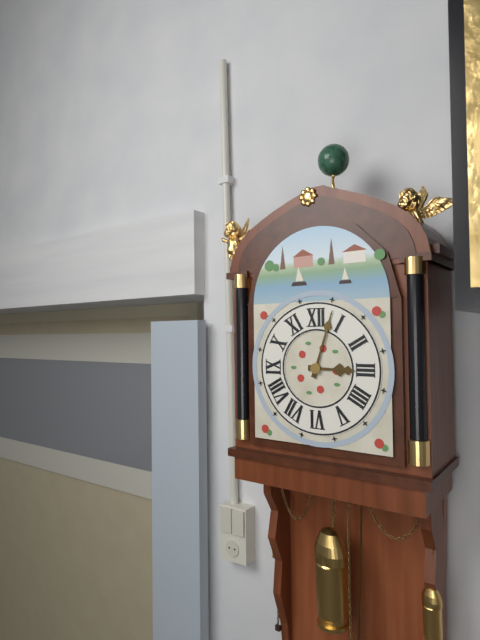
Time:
3:03
